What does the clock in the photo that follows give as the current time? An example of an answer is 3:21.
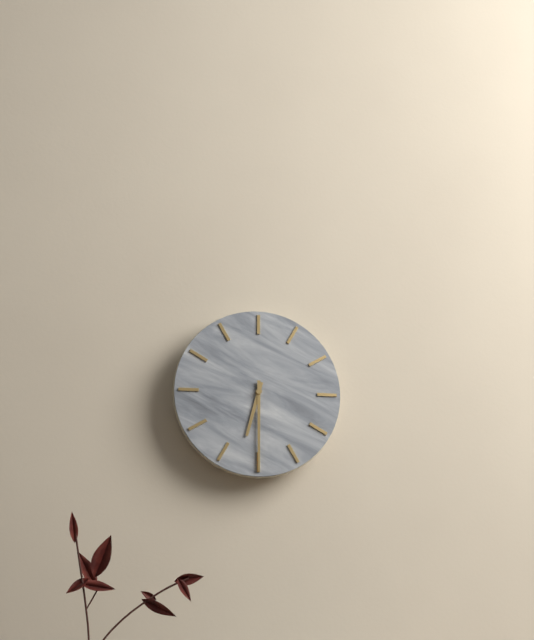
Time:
6:30
